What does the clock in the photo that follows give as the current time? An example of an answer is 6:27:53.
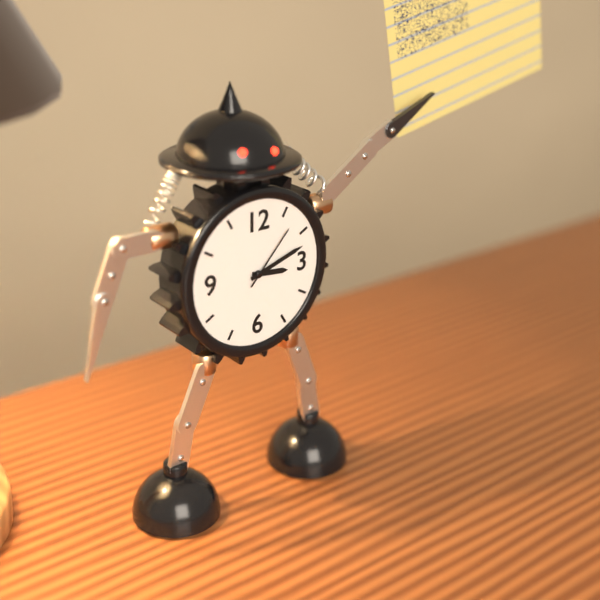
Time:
3:12:07
